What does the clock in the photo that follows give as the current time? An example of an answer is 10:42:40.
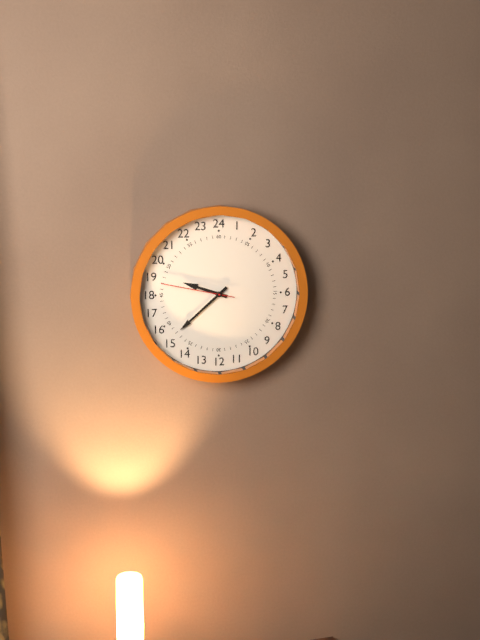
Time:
9:38:47
